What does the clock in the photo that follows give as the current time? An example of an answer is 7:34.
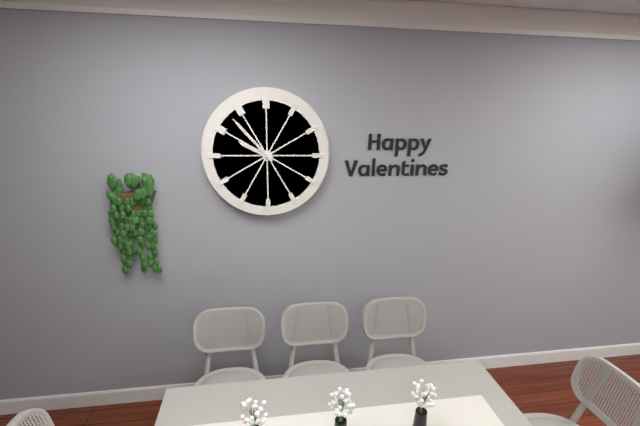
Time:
9:53
